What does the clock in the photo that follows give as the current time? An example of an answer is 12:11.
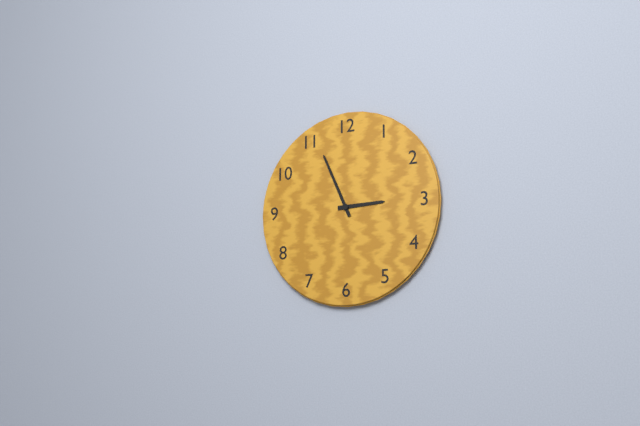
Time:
2:56
